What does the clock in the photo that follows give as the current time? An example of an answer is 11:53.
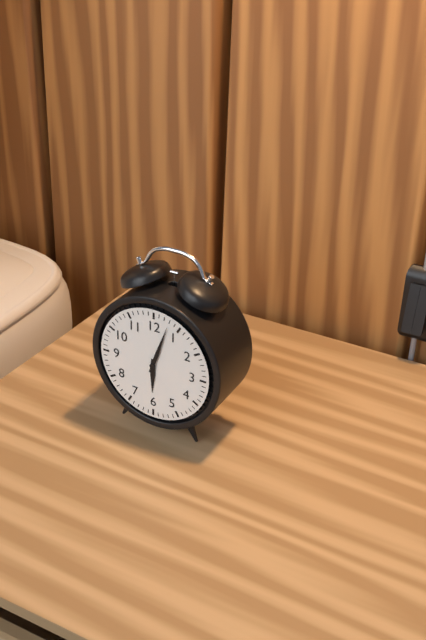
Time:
6:03
